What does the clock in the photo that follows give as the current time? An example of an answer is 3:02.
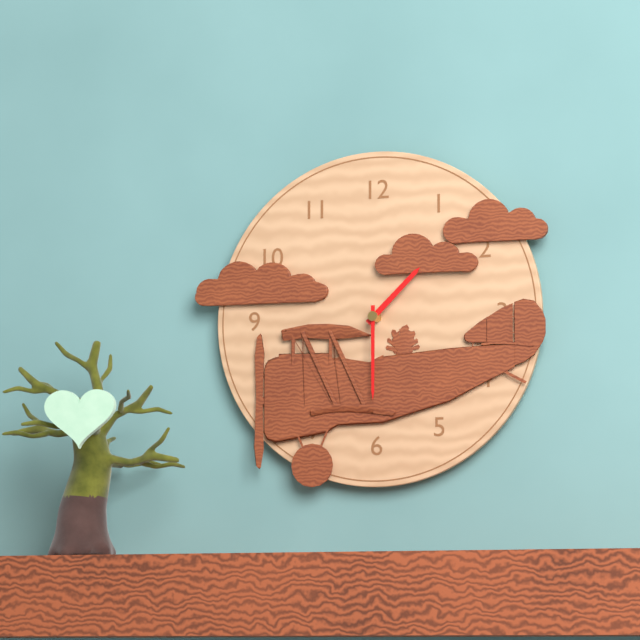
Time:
1:30
